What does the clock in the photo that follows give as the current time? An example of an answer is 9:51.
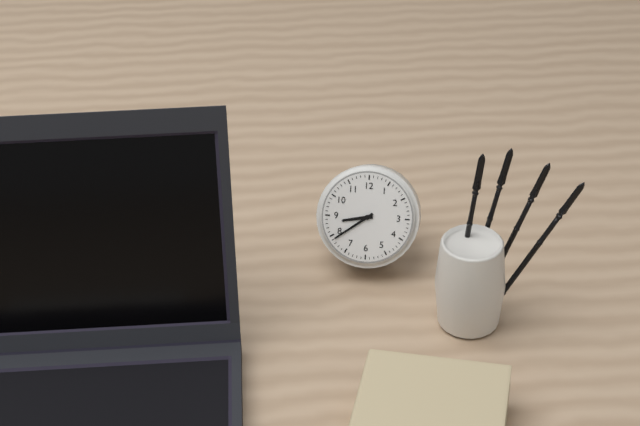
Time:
8:39
